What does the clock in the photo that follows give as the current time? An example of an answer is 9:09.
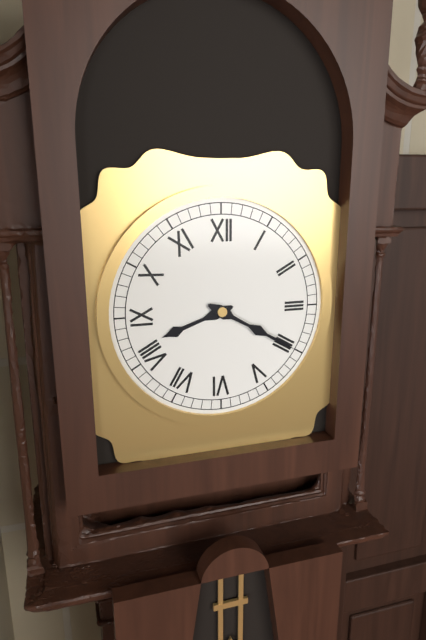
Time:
8:20
